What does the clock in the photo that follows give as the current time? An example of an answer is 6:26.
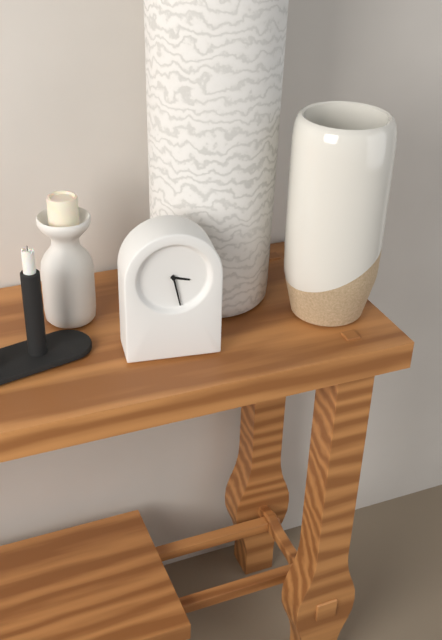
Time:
3:28
